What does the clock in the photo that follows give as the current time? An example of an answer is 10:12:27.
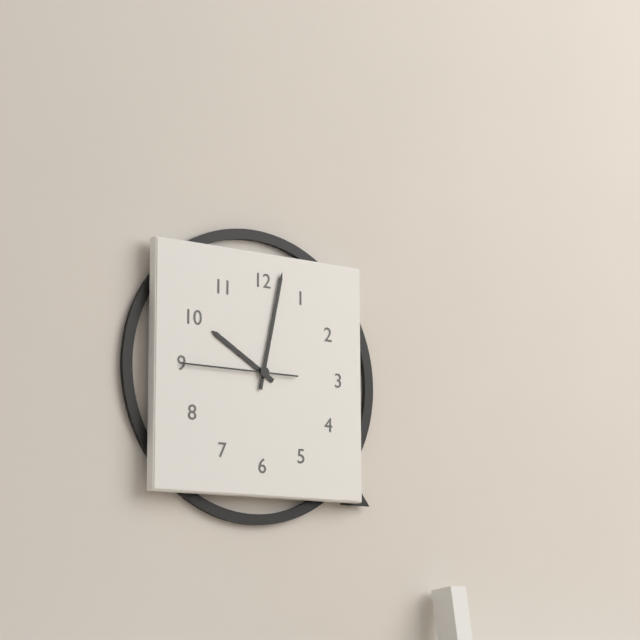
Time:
10:02:45
